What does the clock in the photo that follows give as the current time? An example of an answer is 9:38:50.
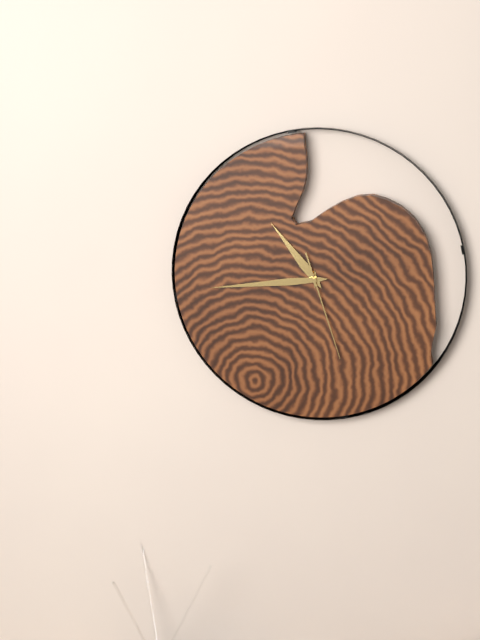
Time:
10:44:27
